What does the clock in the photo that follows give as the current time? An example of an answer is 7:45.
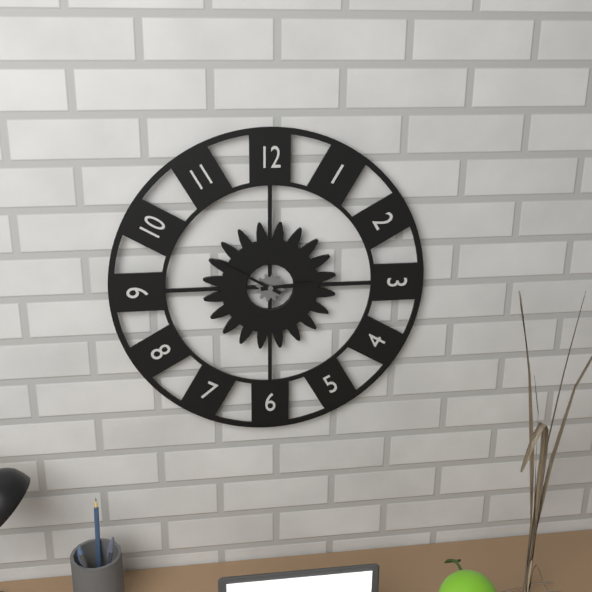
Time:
2:50
